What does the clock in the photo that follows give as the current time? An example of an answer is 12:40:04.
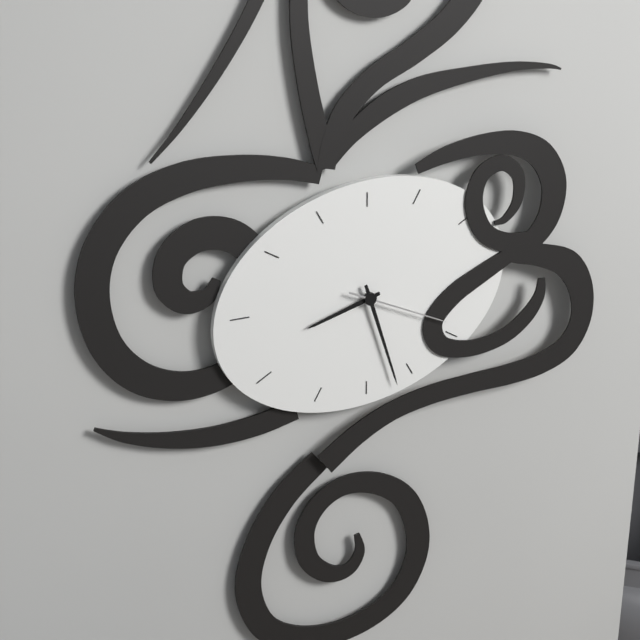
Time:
8:27:19
